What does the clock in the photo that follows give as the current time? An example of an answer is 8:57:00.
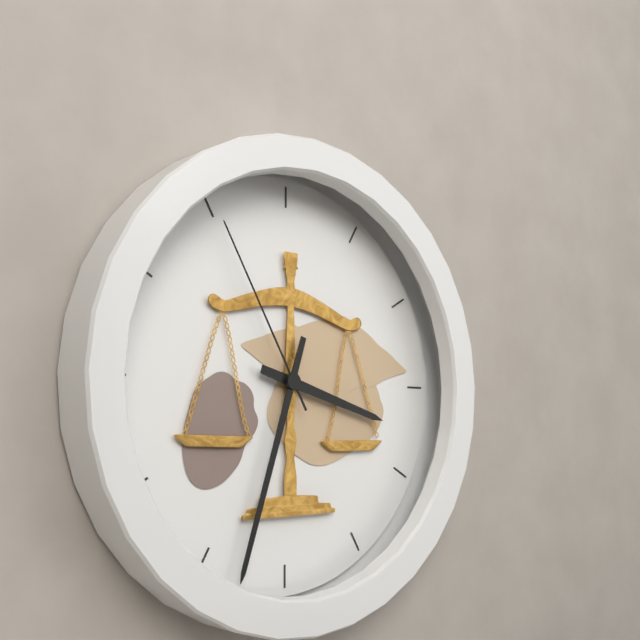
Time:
3:33:55
